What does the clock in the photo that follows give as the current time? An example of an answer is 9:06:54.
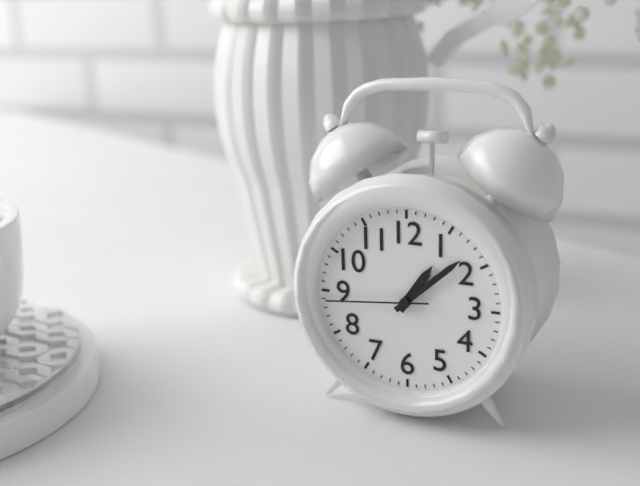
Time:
1:08:44
